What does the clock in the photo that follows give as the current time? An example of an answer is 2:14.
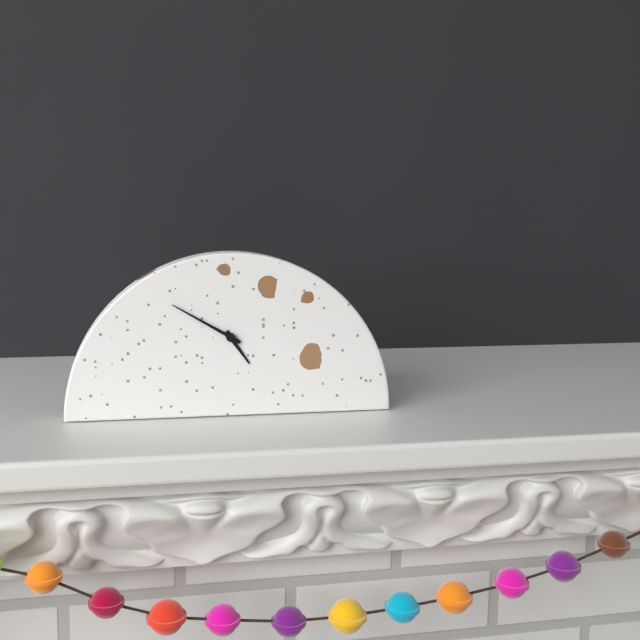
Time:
4:50
